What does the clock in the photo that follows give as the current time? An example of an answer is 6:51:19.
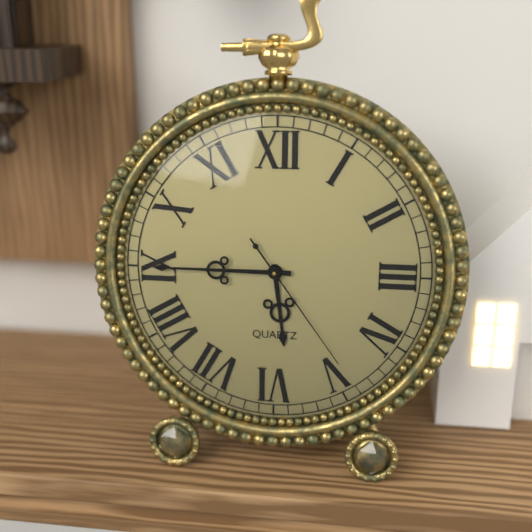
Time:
5:45:24
